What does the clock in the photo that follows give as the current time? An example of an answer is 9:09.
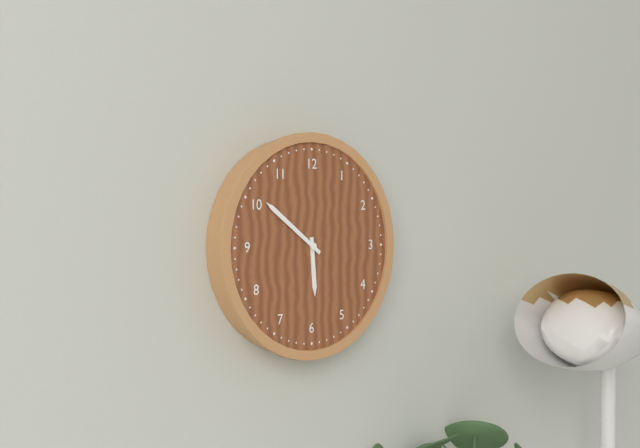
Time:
5:51
